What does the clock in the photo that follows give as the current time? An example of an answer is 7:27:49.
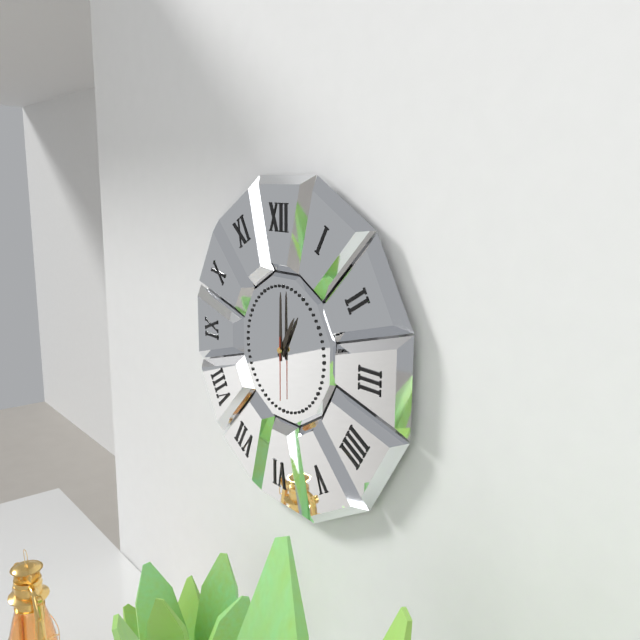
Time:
1:00:30
